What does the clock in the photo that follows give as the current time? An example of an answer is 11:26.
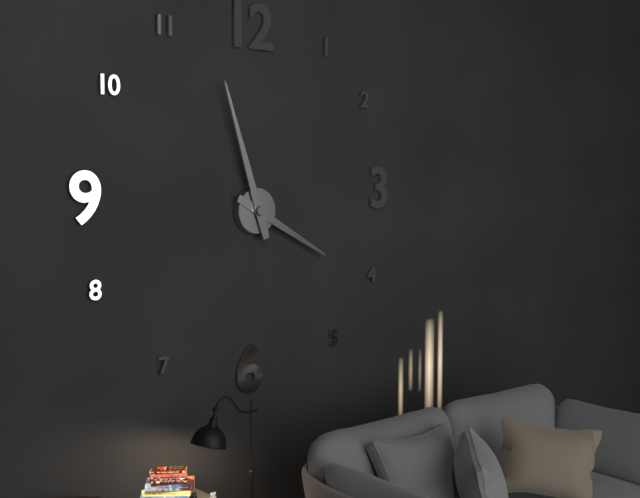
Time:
3:57
